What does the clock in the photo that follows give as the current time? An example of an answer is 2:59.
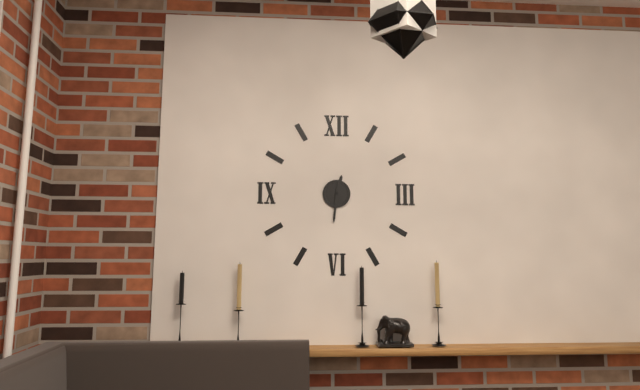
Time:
12:31
